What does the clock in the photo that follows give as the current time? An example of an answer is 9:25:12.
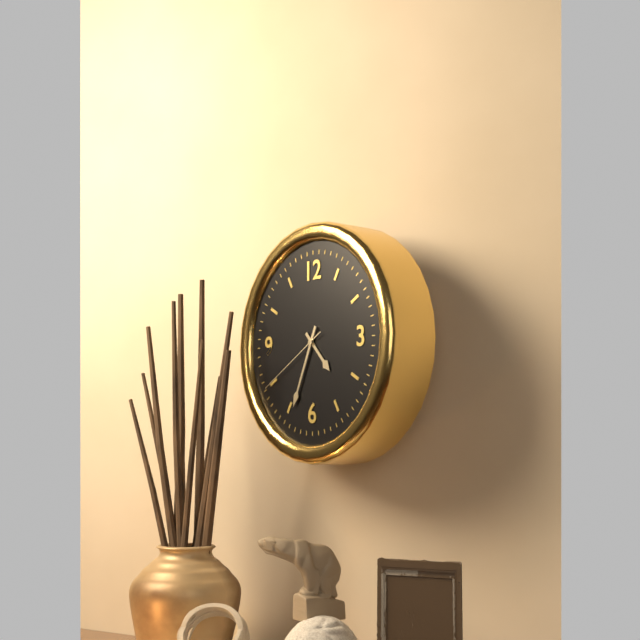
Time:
4:34:40
